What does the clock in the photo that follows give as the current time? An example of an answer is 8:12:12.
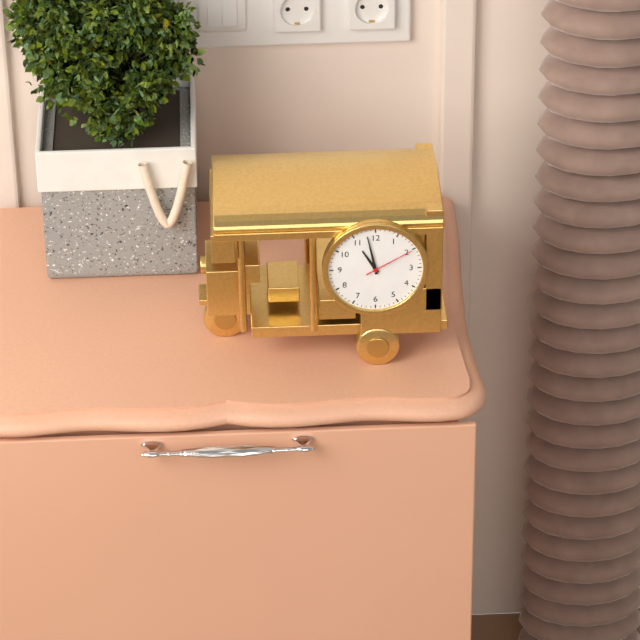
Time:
10:58:10
